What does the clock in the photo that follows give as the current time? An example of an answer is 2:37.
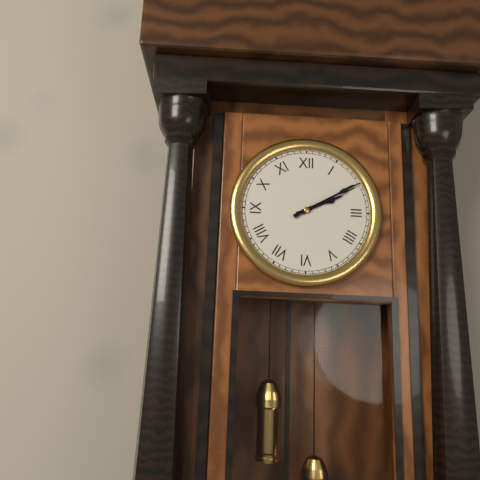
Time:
2:10
